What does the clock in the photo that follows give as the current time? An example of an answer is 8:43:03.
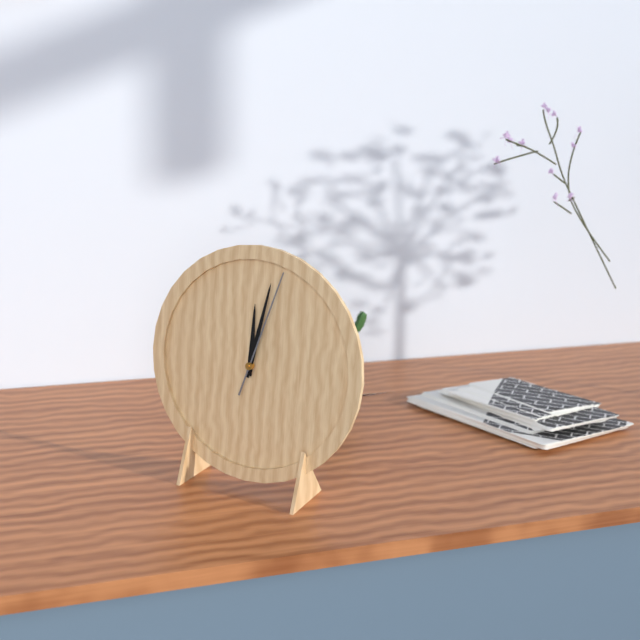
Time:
12:02:03
